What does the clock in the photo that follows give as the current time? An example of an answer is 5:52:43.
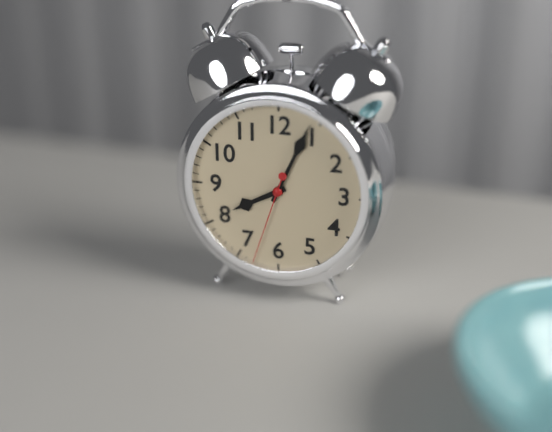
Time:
8:04:33
